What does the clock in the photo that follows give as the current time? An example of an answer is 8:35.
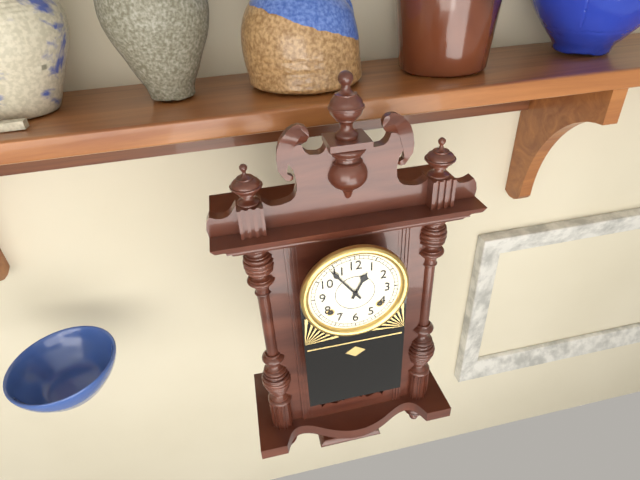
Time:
12:54
